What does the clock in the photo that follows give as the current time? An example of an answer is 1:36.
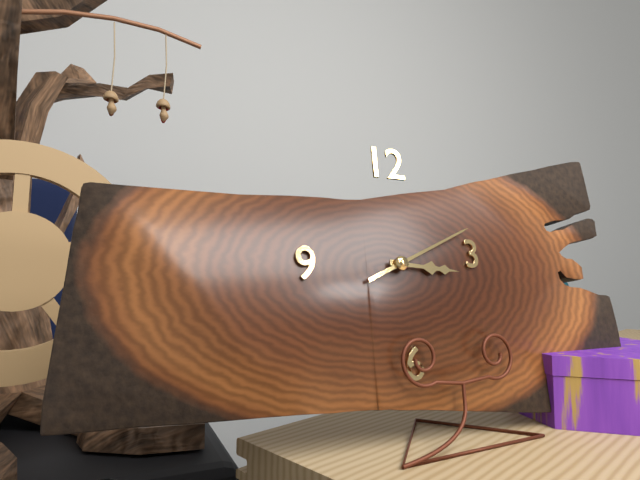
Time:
3:11
